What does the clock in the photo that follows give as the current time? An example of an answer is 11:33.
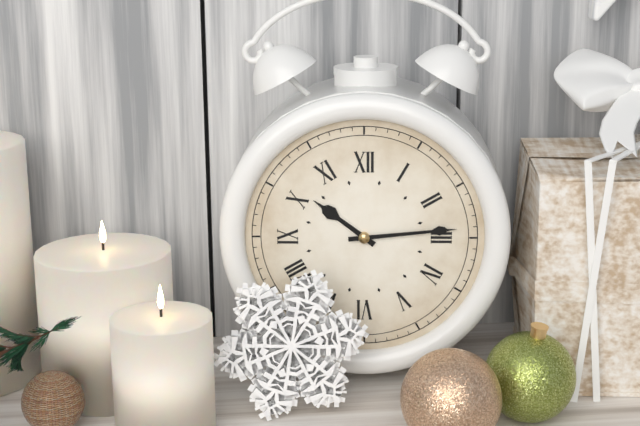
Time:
10:14
